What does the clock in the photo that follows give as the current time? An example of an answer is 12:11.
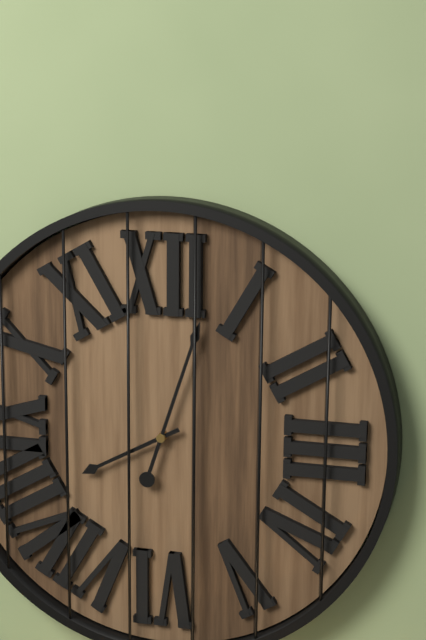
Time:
8:03
